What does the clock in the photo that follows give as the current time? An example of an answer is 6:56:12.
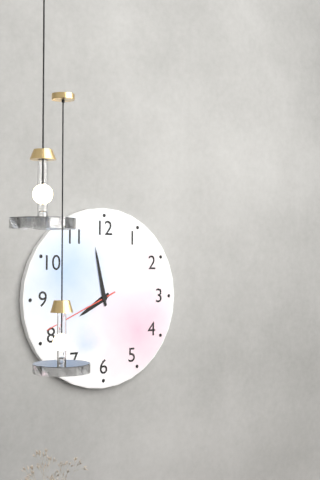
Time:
7:58:41
